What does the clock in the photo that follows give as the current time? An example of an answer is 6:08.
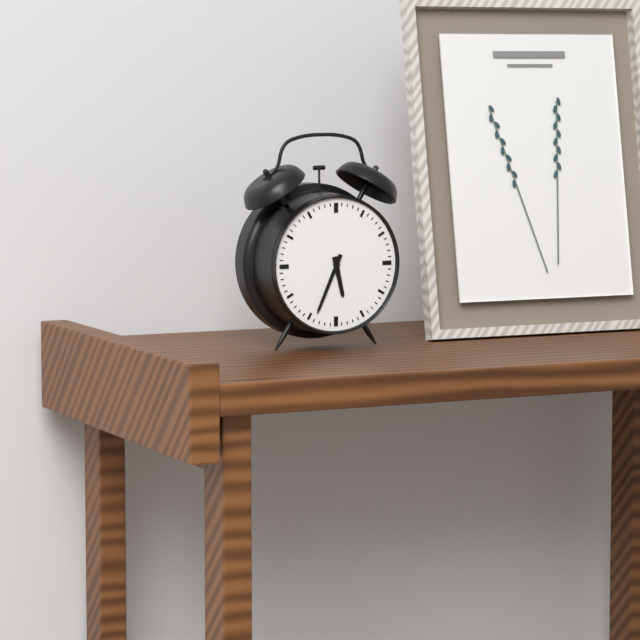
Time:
5:34
